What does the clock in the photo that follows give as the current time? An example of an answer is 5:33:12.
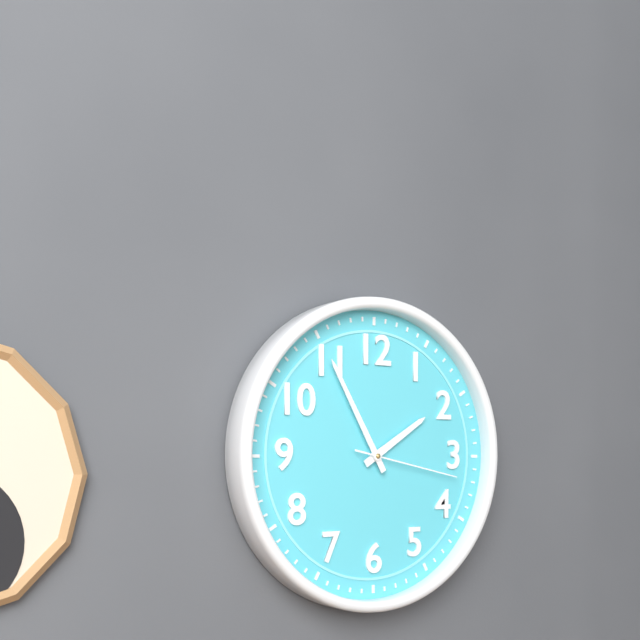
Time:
1:55:17
